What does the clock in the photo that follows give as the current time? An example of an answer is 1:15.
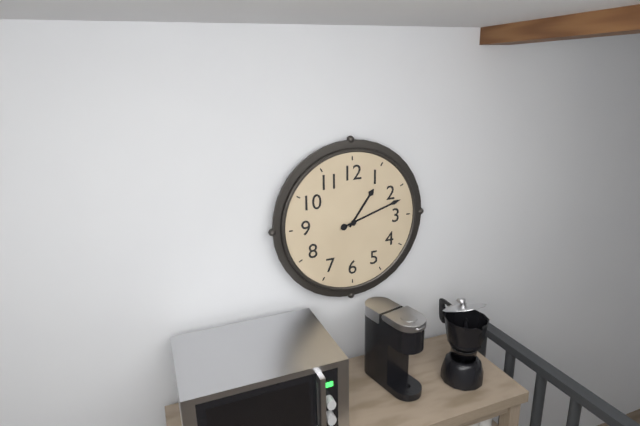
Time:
1:12
